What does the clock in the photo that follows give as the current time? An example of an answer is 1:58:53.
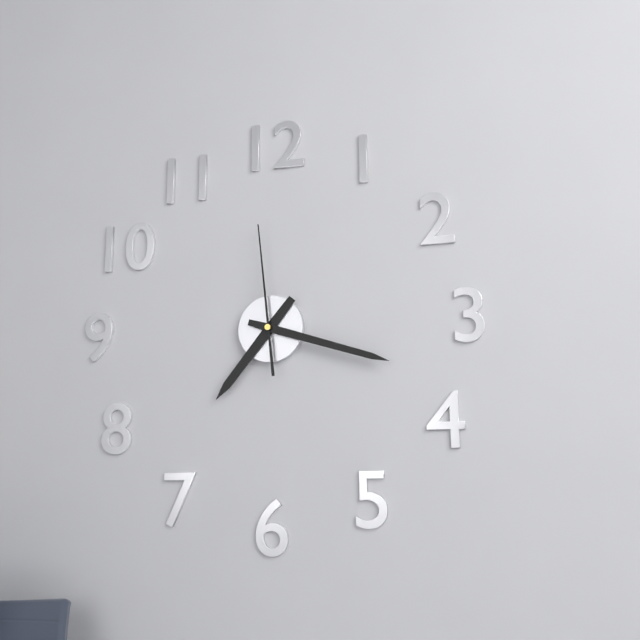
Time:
7:18:59
